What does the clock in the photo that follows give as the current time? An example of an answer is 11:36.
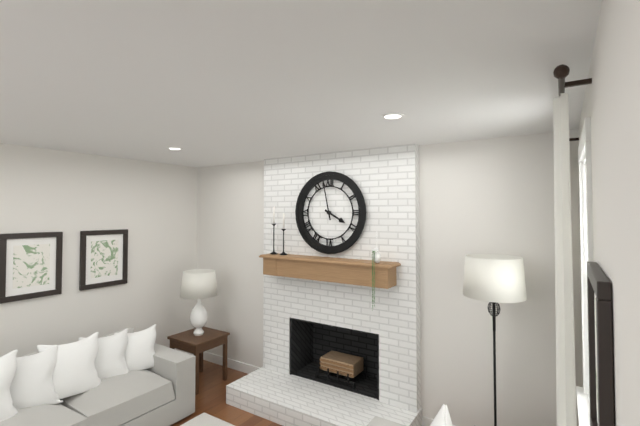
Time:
3:58
